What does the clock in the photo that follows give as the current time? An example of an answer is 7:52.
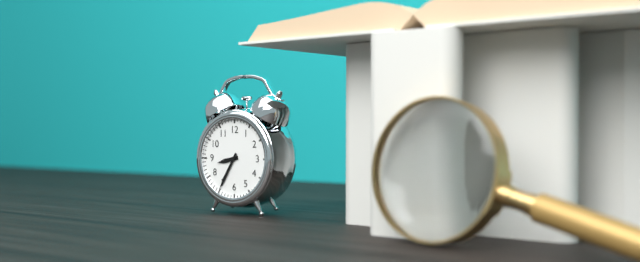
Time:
8:35
